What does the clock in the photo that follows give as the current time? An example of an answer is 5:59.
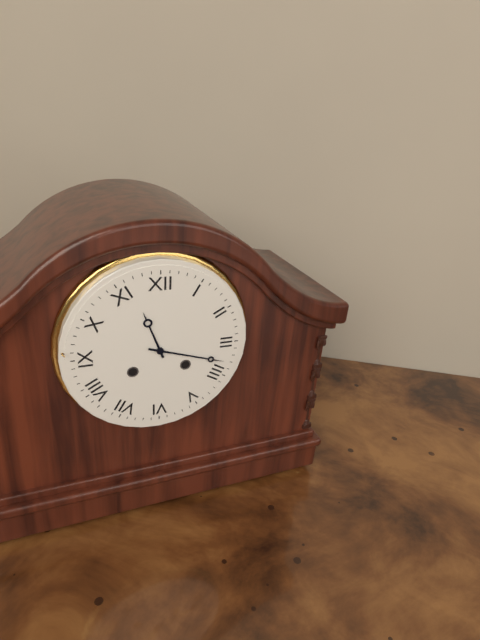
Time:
11:18
